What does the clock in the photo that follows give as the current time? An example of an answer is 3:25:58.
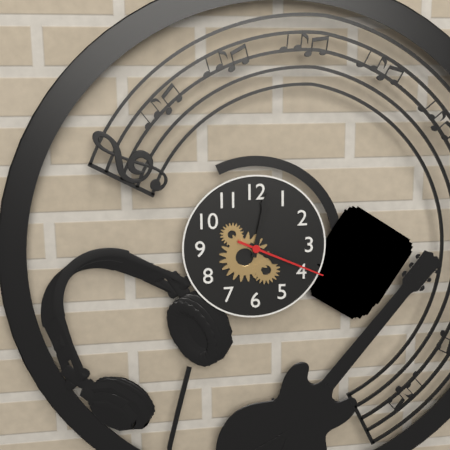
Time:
4:02:19
